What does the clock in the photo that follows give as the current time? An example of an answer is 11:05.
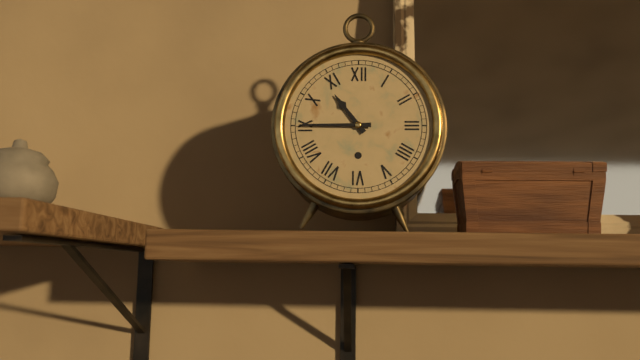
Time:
10:45
